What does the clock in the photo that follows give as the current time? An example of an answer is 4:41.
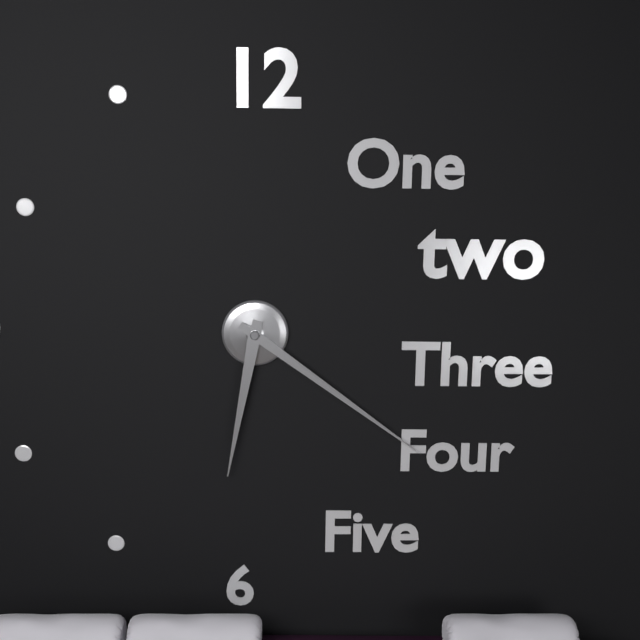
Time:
6:21
